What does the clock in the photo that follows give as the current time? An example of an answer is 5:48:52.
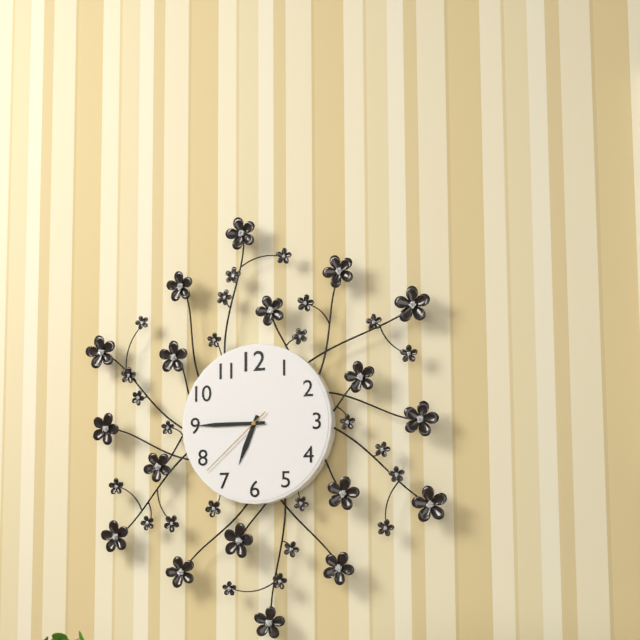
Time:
6:45:38
